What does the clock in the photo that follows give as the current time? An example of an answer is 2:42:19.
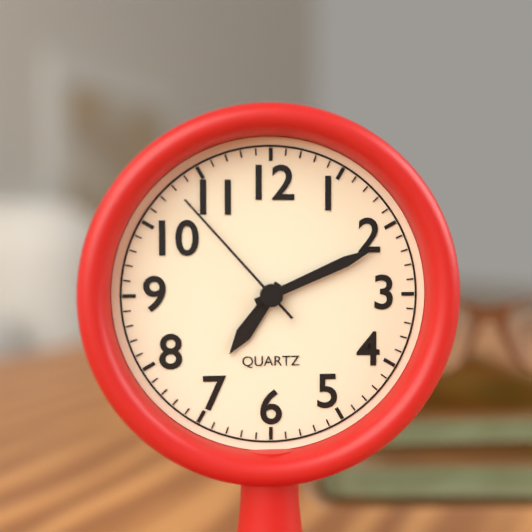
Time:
7:11:53
